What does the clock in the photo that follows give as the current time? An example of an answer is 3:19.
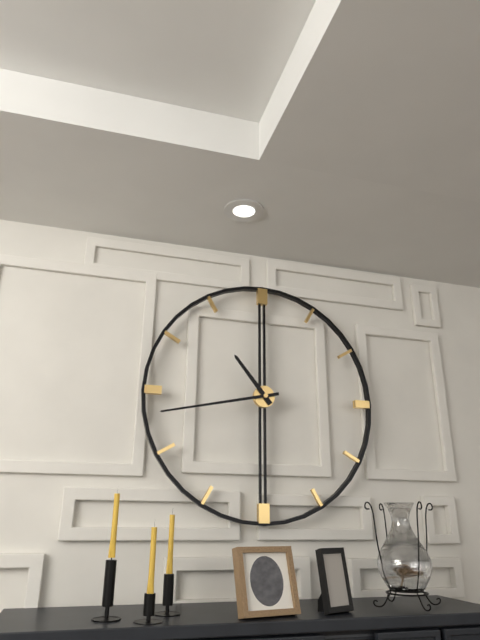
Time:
10:43
